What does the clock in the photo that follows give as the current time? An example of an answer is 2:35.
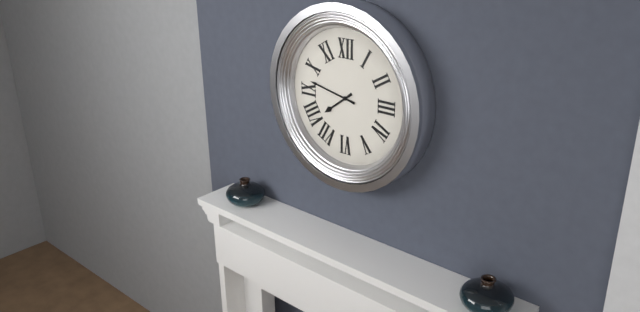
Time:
7:47
